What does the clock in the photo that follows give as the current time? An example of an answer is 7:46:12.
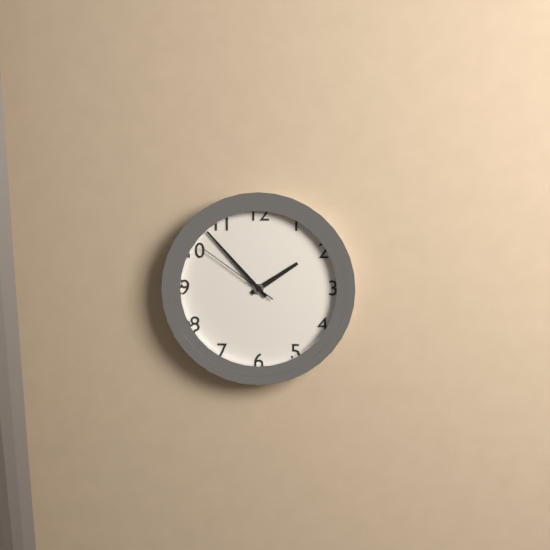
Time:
1:53:51
